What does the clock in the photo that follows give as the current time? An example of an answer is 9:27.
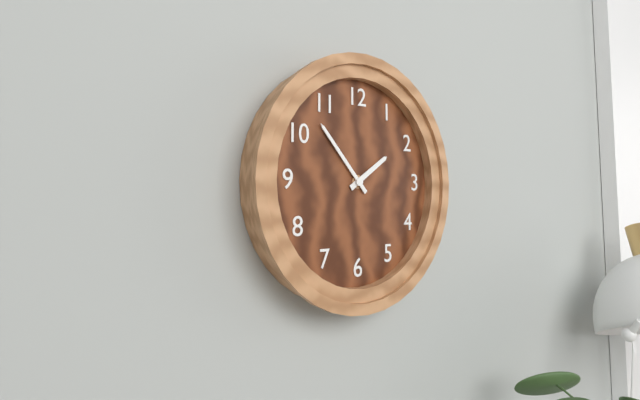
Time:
1:53
